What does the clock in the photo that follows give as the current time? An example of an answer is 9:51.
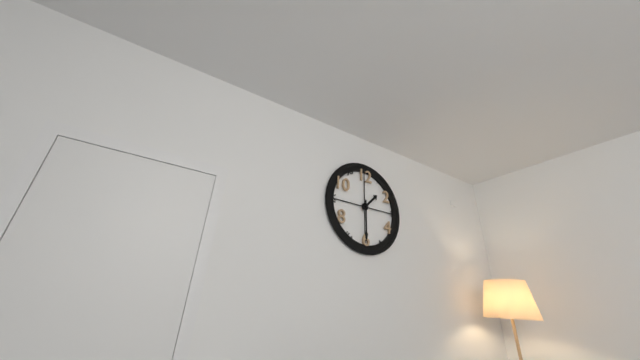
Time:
1:30
